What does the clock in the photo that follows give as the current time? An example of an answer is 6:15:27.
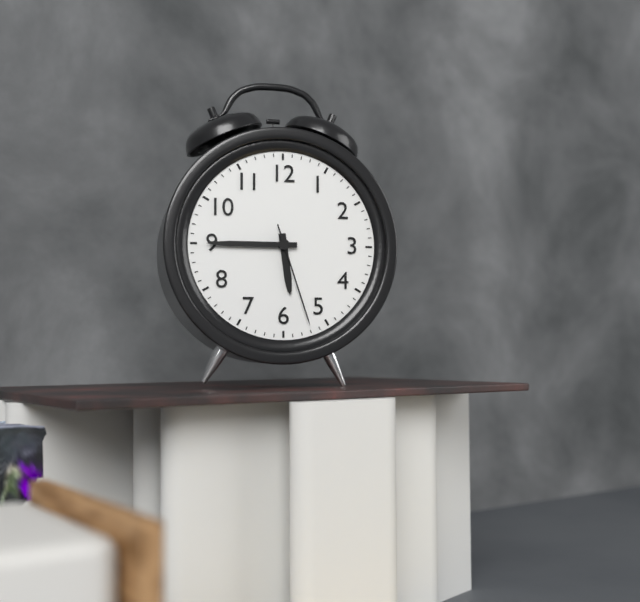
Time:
5:45:27
